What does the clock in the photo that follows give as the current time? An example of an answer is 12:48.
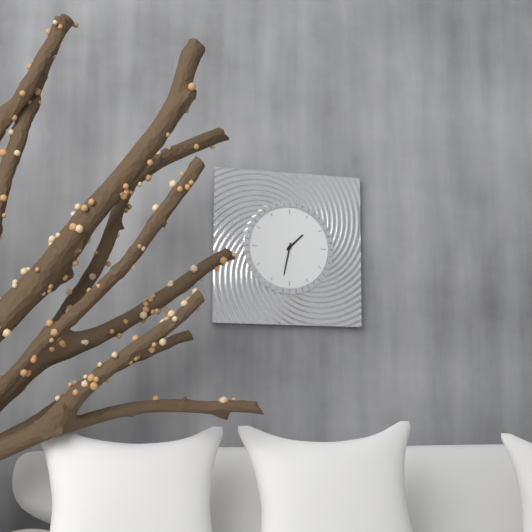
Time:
1:32
